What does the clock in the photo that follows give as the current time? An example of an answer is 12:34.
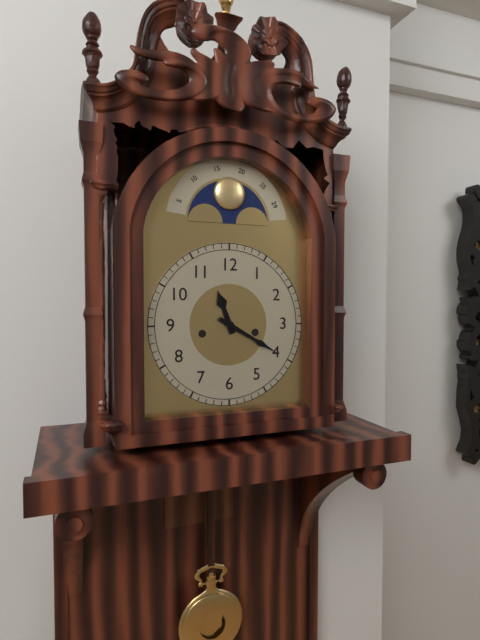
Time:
11:20
